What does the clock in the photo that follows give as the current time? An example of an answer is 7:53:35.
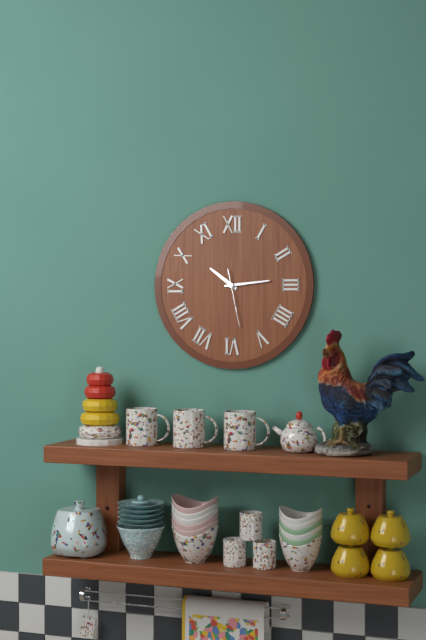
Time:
10:14:28
